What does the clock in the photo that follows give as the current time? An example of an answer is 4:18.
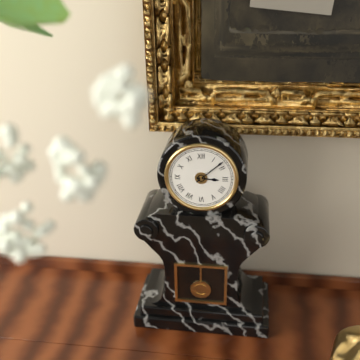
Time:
3:08
